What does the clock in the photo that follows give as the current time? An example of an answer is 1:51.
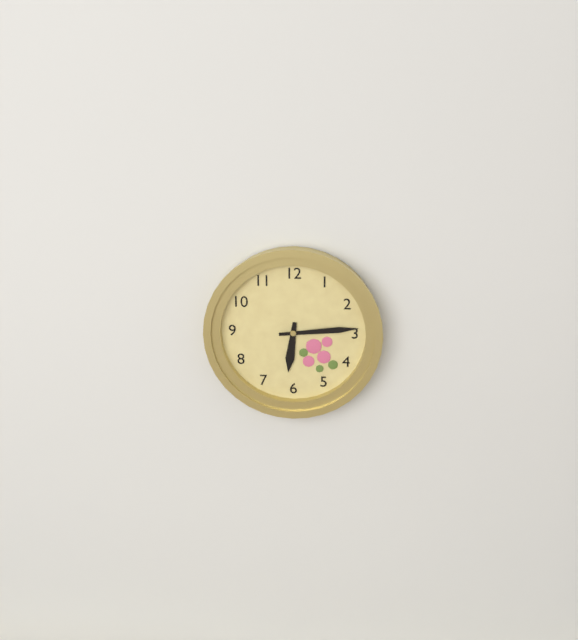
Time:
6:14
